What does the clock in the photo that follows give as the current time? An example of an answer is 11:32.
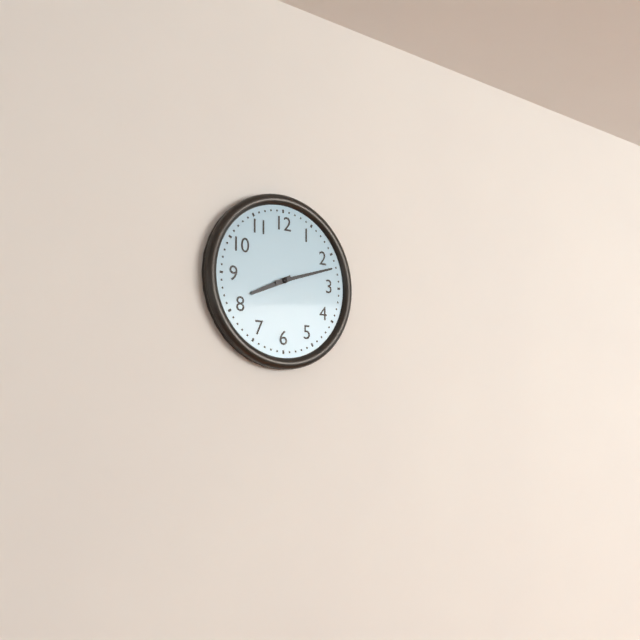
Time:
8:12
